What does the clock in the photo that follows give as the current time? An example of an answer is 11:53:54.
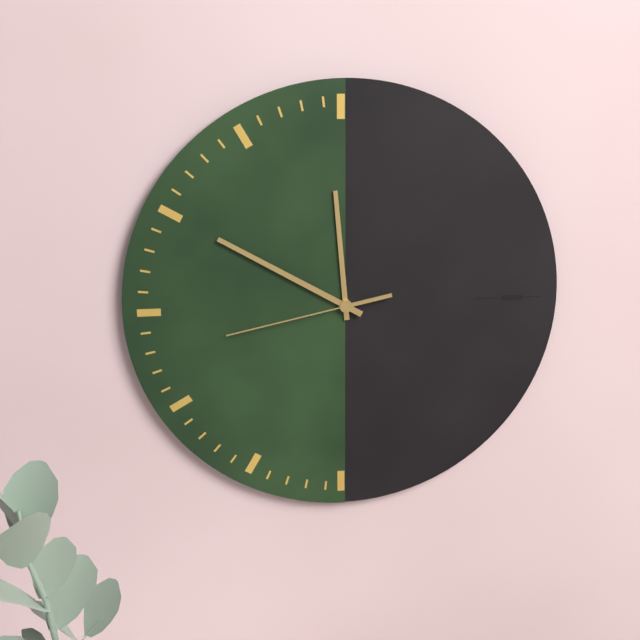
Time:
11:50:43
